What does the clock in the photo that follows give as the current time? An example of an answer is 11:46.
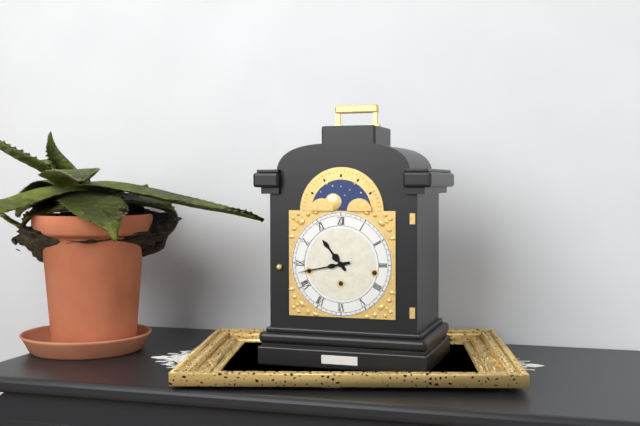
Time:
10:43
